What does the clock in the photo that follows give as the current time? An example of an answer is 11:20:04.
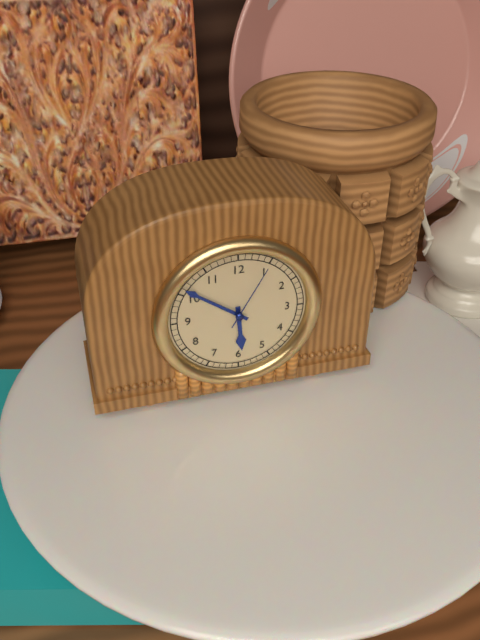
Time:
5:51:05
